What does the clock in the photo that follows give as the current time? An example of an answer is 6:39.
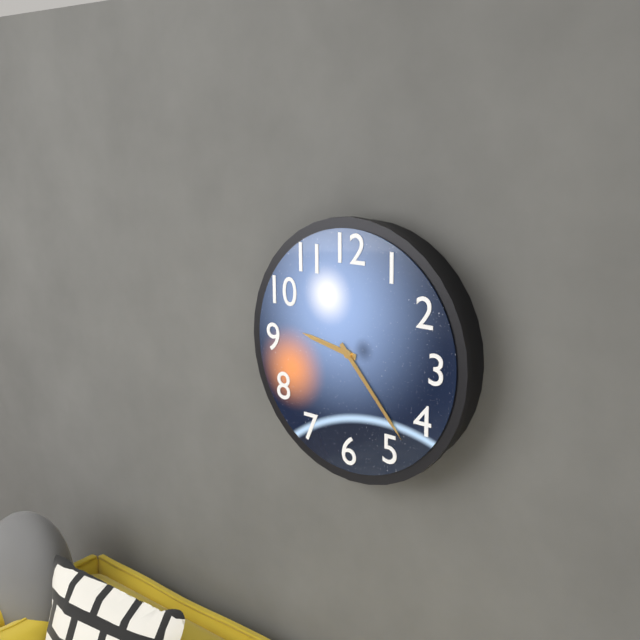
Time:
9:23
